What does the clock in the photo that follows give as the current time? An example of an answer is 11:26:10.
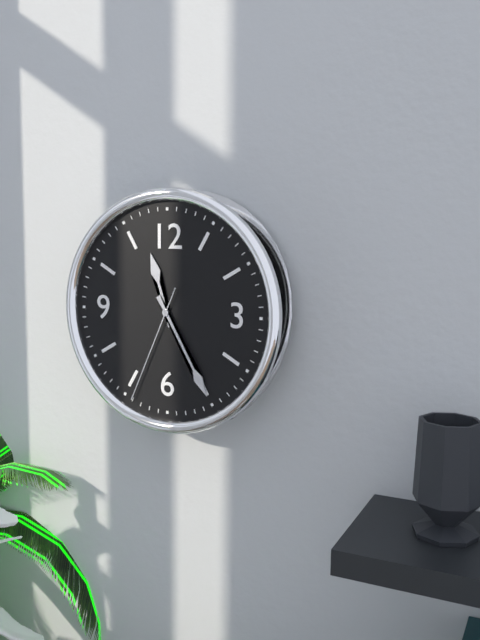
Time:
11:25:34
